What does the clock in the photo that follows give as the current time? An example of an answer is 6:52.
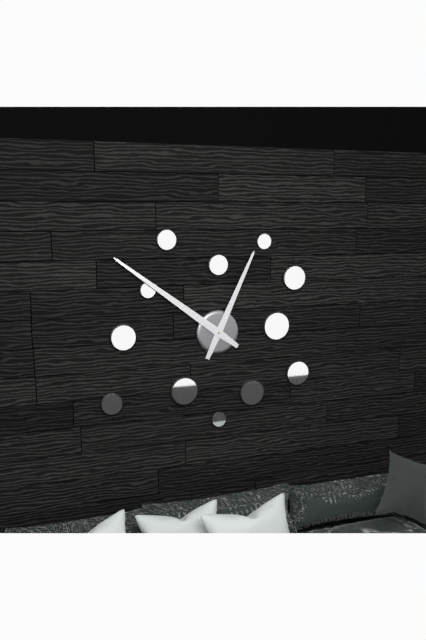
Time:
12:51
